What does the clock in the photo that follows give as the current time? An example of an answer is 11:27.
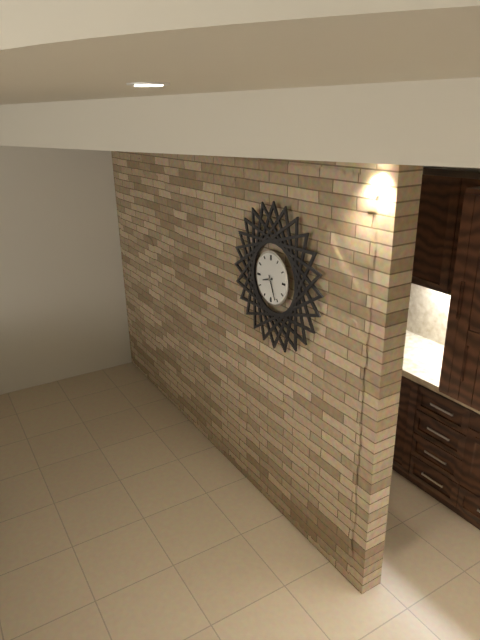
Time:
8:26
